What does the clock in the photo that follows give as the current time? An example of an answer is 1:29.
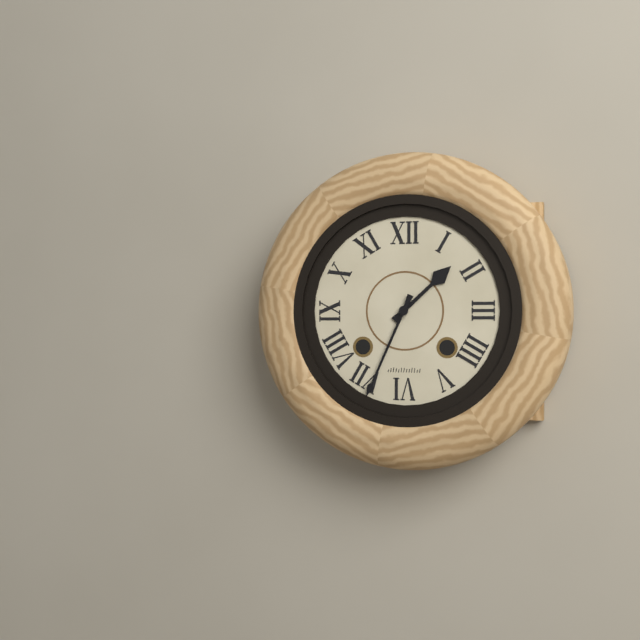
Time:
1:34
